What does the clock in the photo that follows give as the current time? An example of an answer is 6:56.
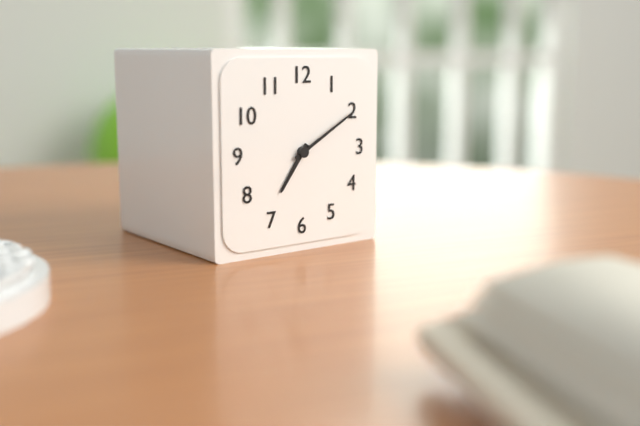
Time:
7:10
